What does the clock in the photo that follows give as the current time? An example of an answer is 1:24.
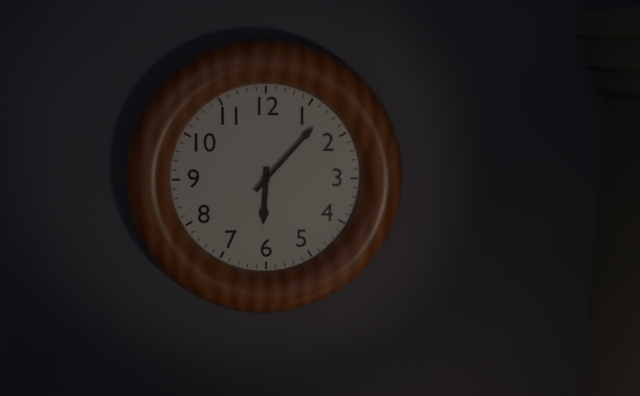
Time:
6:07
